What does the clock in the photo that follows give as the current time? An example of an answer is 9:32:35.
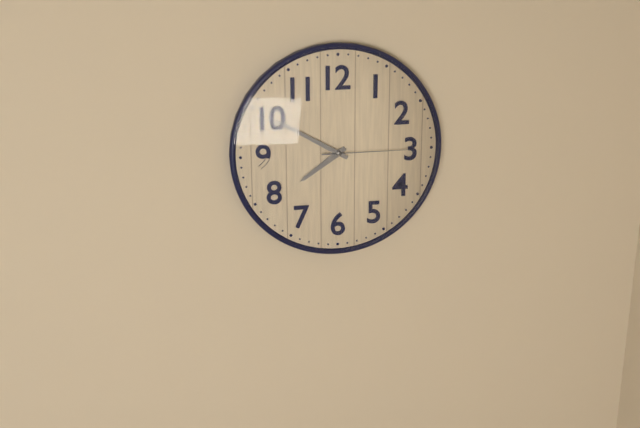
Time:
7:50:15
